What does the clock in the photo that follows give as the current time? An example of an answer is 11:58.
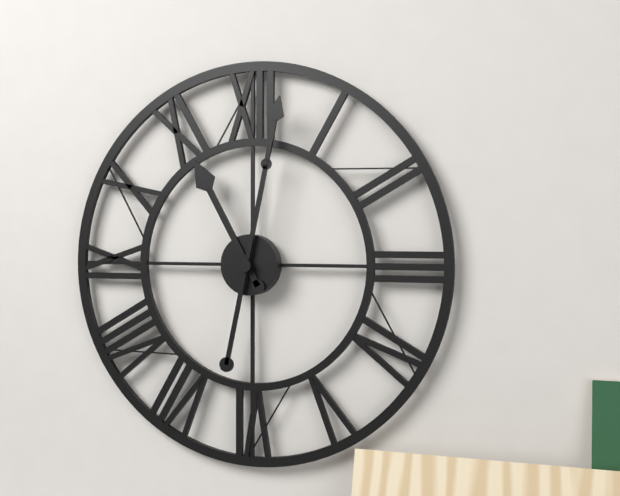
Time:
11:02
